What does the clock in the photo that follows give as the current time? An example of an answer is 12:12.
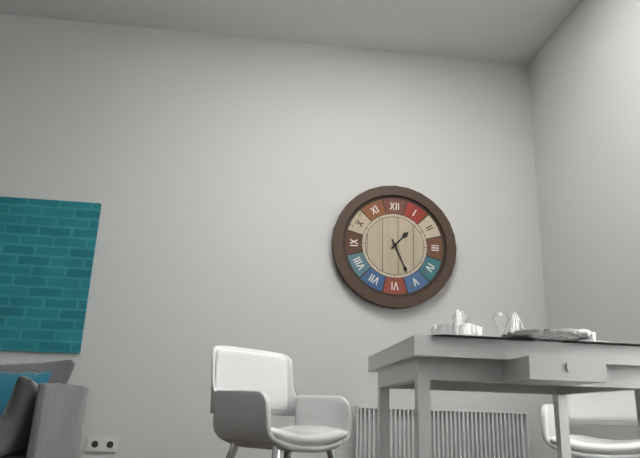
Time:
1:26
